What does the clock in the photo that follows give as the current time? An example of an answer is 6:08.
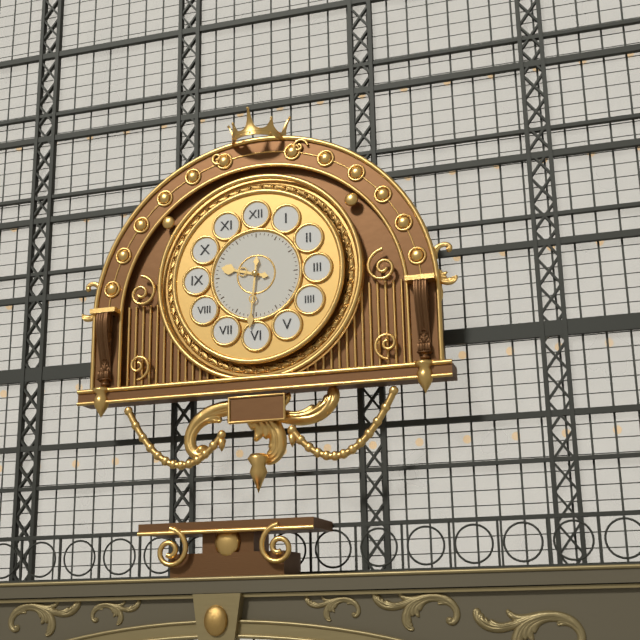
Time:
9:31
